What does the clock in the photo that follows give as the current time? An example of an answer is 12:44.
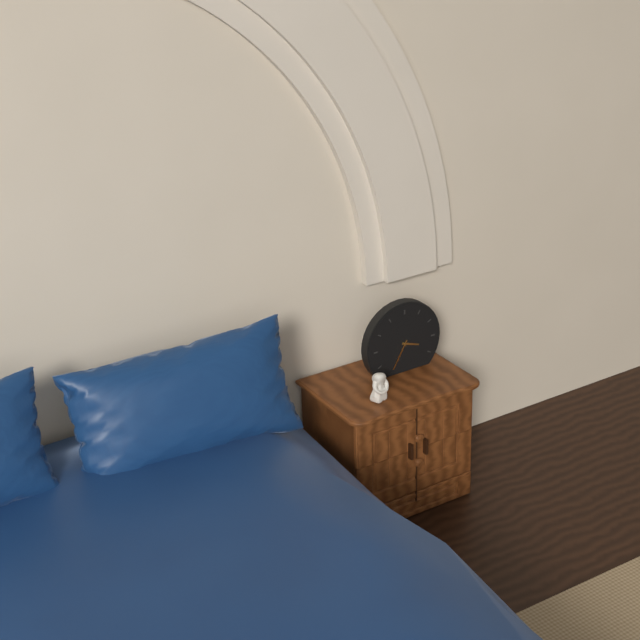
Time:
3:35
